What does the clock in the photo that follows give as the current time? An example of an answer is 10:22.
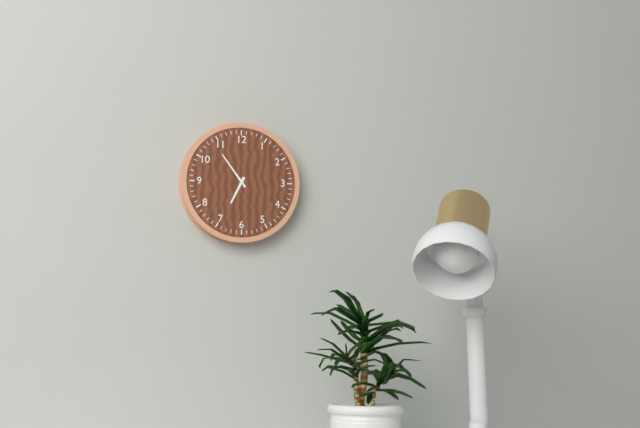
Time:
6:54
